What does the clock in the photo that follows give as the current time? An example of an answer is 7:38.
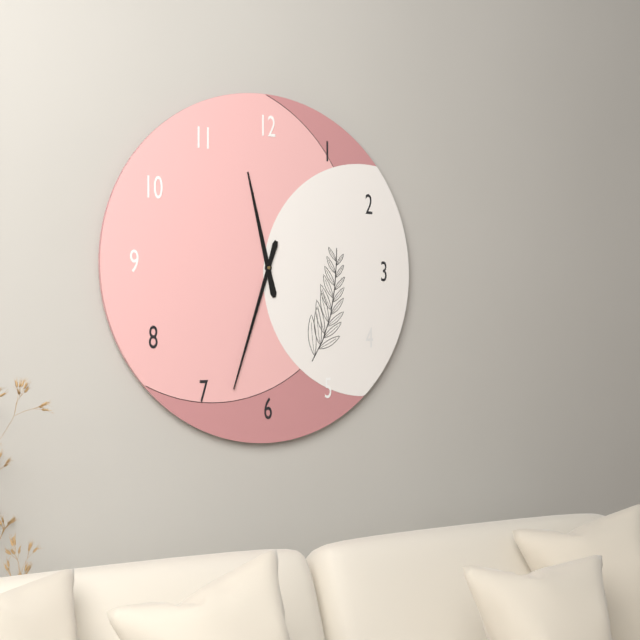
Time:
11:33
